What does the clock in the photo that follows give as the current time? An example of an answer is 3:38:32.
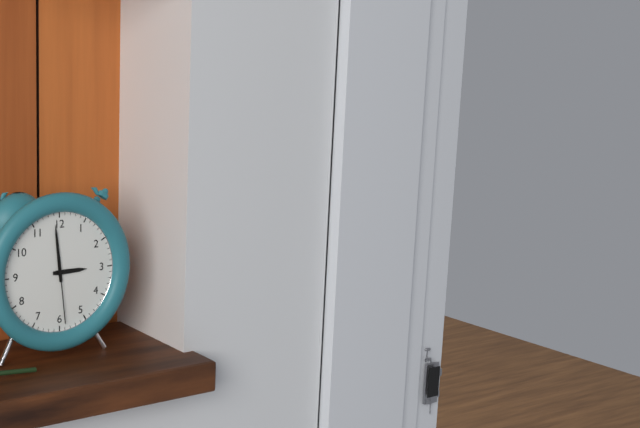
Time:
2:59:29
